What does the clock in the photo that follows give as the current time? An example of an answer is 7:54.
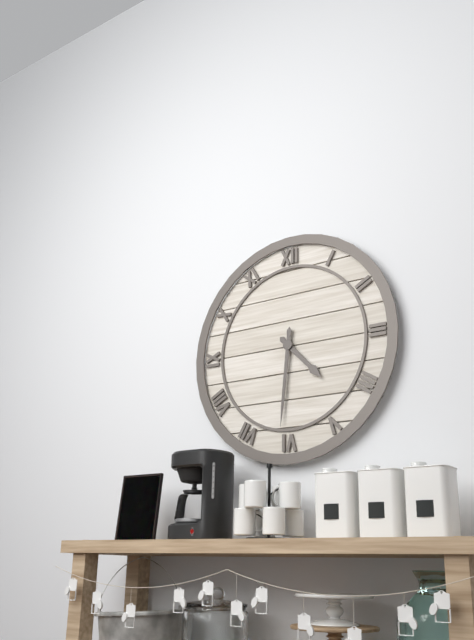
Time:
4:31
